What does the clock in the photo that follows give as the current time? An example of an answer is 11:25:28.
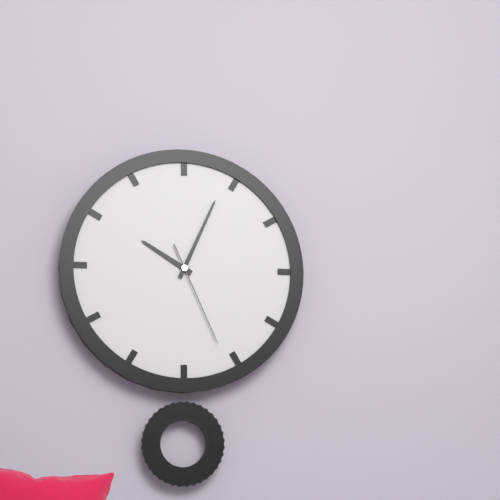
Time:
10:04:26
